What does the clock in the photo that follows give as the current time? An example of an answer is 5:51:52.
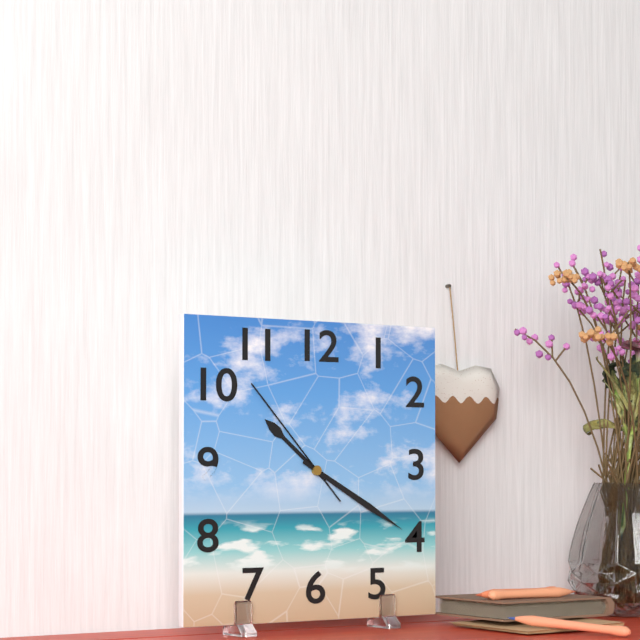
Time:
10:20:53
